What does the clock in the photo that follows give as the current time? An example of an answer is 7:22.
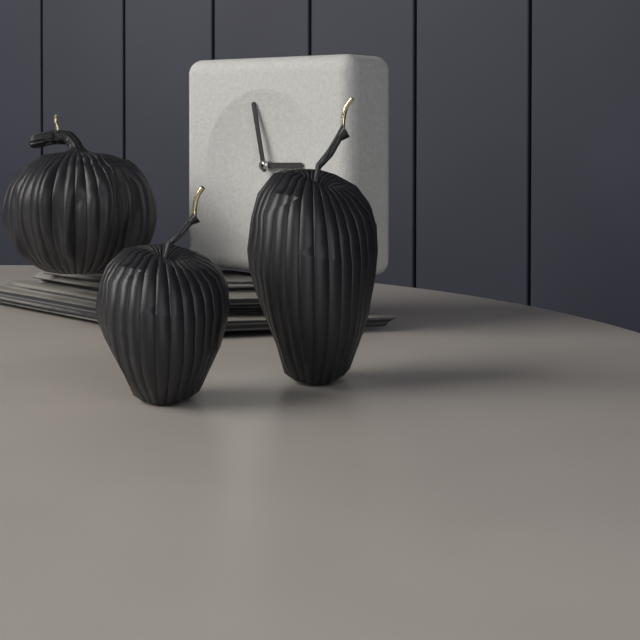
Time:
2:58
